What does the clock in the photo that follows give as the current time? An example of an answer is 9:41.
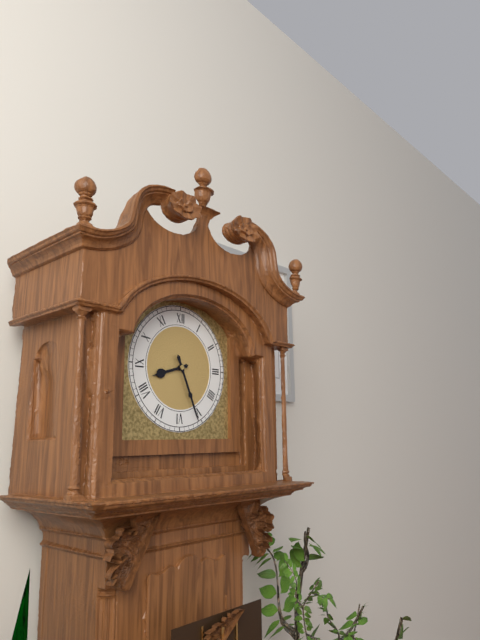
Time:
8:26
